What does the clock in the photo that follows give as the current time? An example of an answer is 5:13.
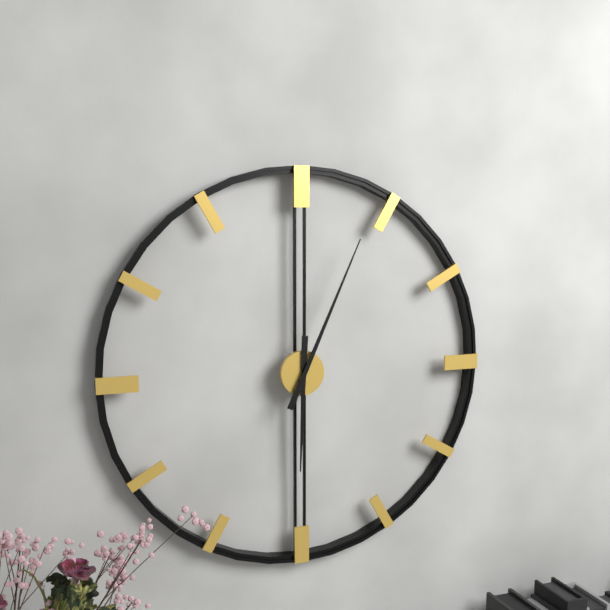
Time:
6:04
